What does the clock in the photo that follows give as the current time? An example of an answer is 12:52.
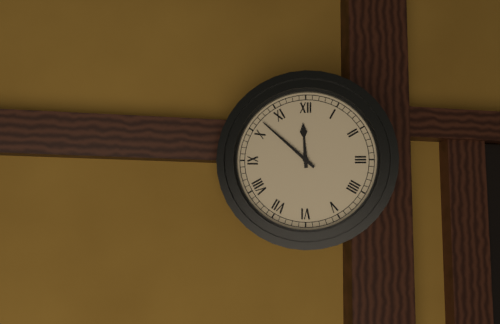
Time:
11:52
